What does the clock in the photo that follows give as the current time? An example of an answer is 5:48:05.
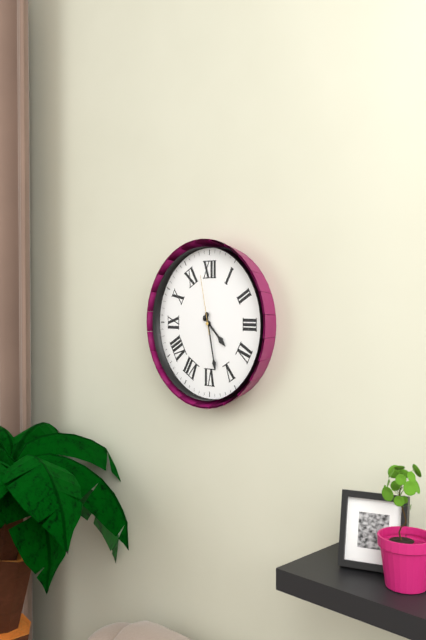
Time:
4:28:58
